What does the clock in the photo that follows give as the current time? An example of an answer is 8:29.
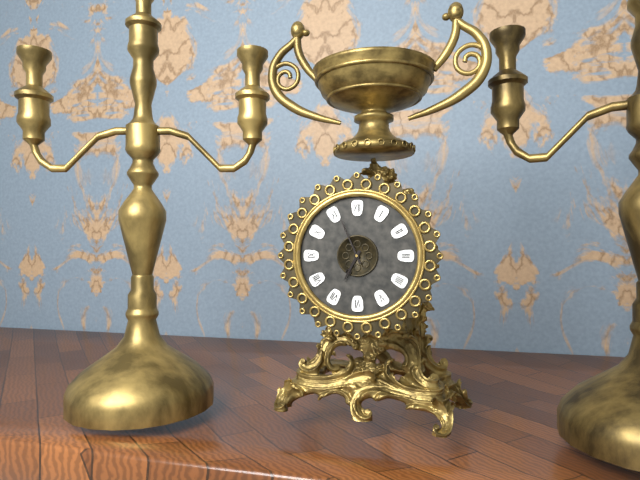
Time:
6:56
